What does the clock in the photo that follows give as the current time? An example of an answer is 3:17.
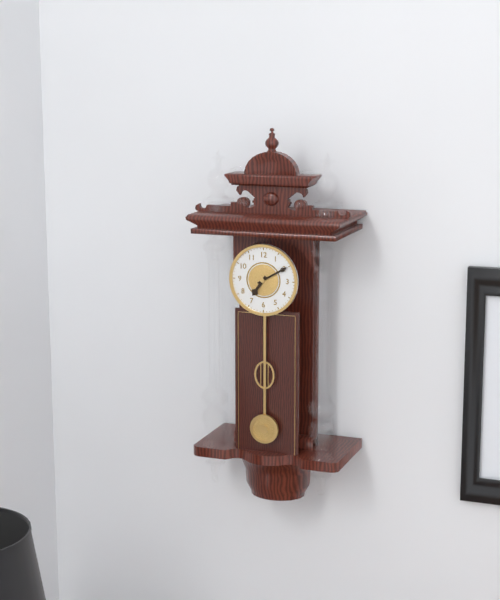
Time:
7:10
